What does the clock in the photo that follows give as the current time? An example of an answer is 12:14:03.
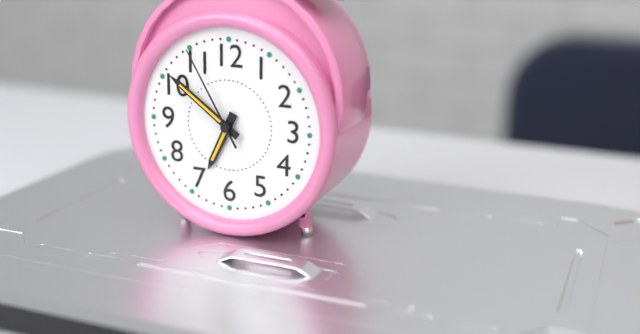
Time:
6:51:55
